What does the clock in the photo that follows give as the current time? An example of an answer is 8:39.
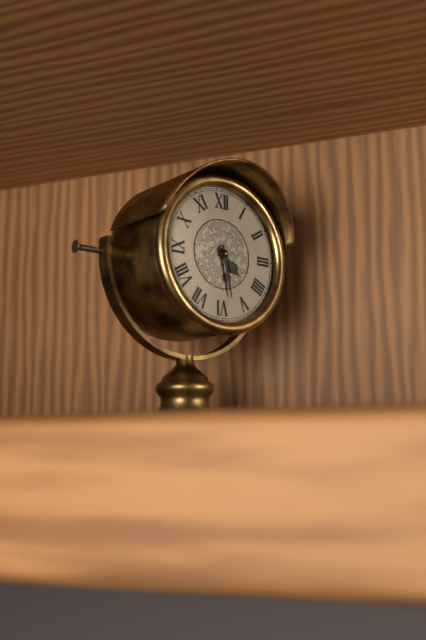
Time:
4:28
